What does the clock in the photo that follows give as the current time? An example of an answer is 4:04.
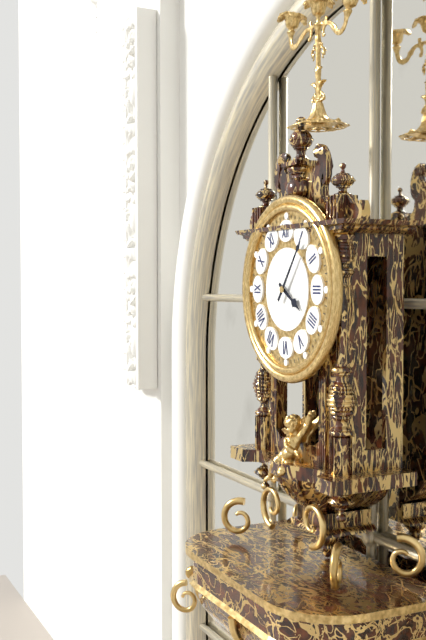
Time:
4:06
